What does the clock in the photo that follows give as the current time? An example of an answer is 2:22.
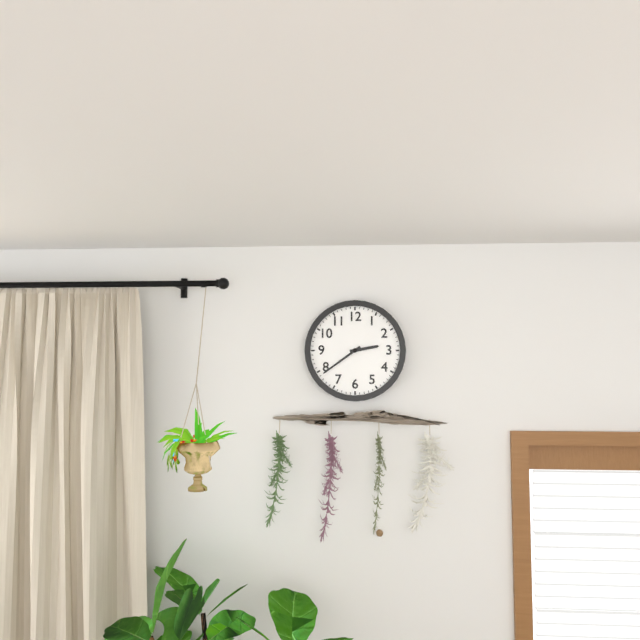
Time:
2:39
